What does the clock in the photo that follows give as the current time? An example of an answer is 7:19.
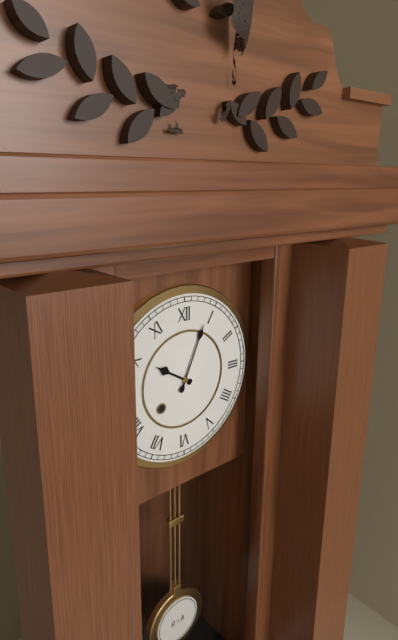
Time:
10:04
